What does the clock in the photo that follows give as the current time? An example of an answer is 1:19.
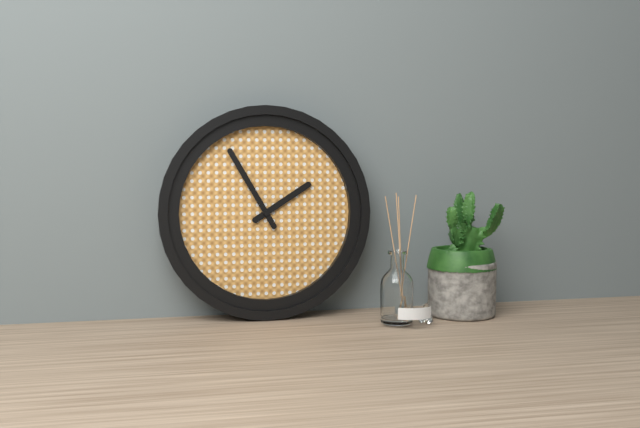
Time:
1:55
